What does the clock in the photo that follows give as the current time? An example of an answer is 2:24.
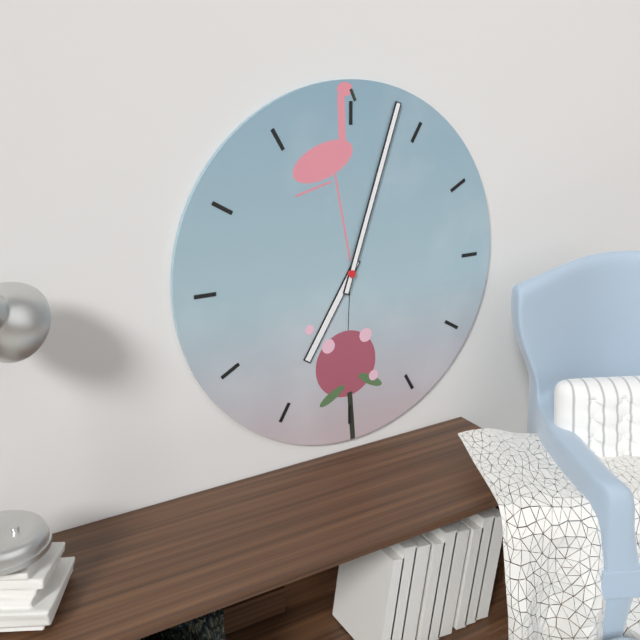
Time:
7:03
